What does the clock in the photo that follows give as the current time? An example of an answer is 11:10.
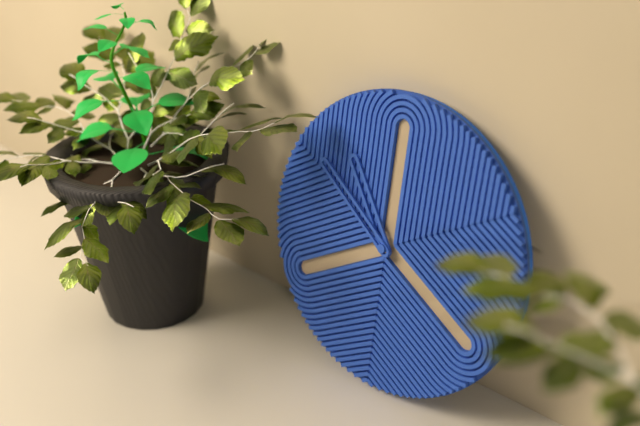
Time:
10:51
